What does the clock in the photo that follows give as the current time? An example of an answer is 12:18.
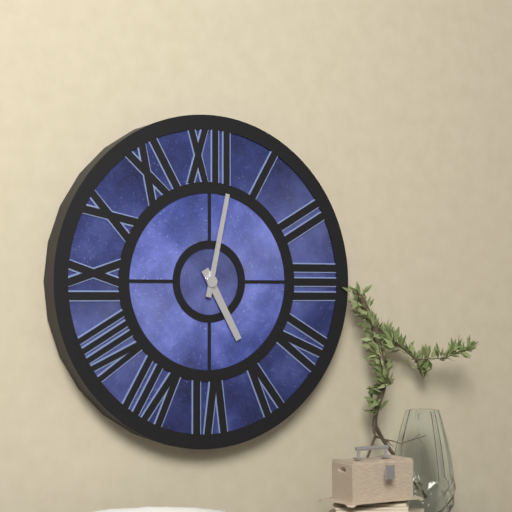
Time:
5:02
